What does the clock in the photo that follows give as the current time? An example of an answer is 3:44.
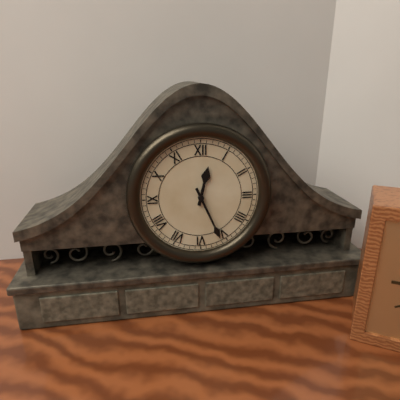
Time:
12:26
